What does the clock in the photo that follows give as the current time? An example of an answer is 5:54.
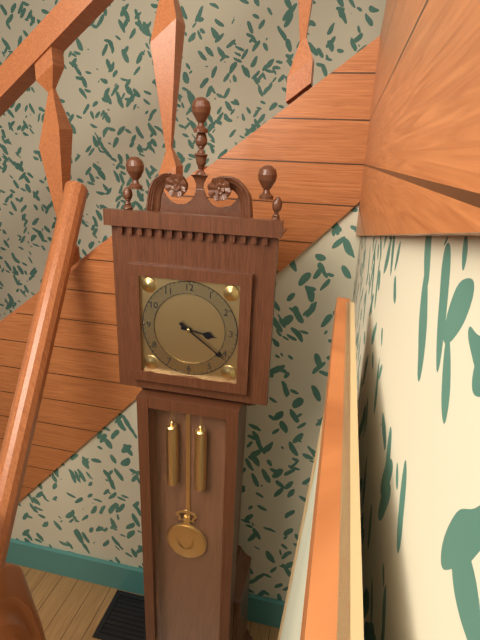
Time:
3:21
